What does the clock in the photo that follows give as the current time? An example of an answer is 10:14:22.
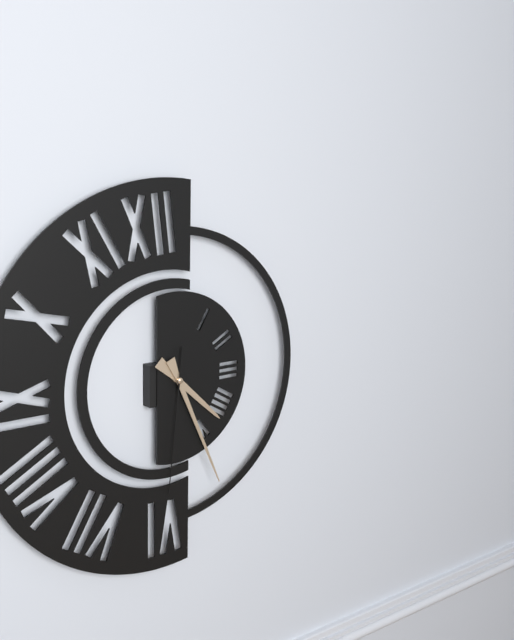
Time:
4:26:31
